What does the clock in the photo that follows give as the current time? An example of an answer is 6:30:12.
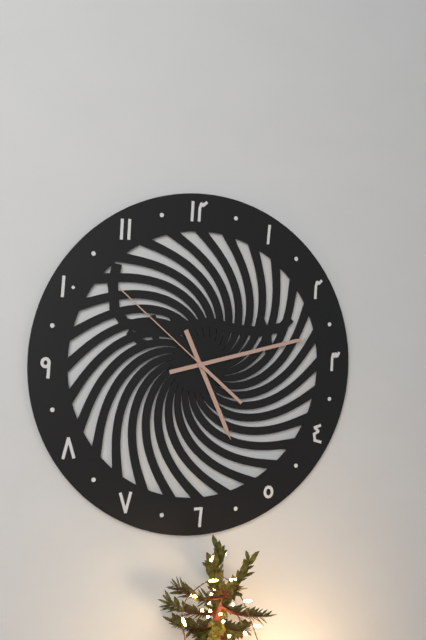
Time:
5:13:52
